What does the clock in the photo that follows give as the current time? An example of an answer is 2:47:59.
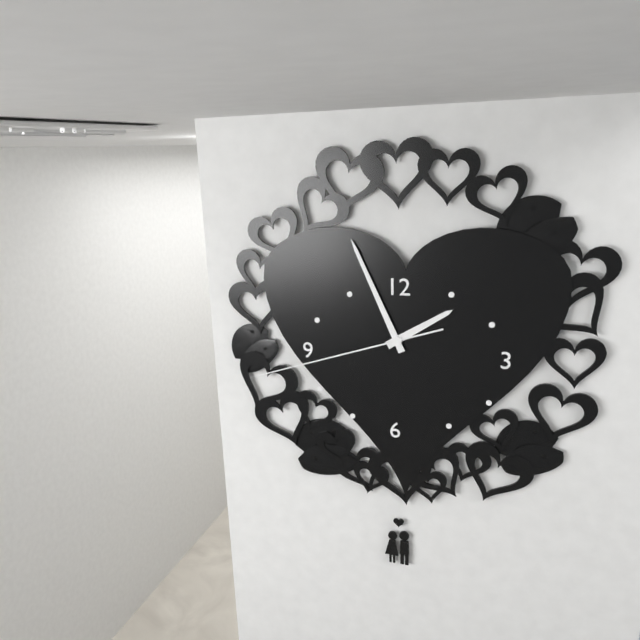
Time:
1:56:42
